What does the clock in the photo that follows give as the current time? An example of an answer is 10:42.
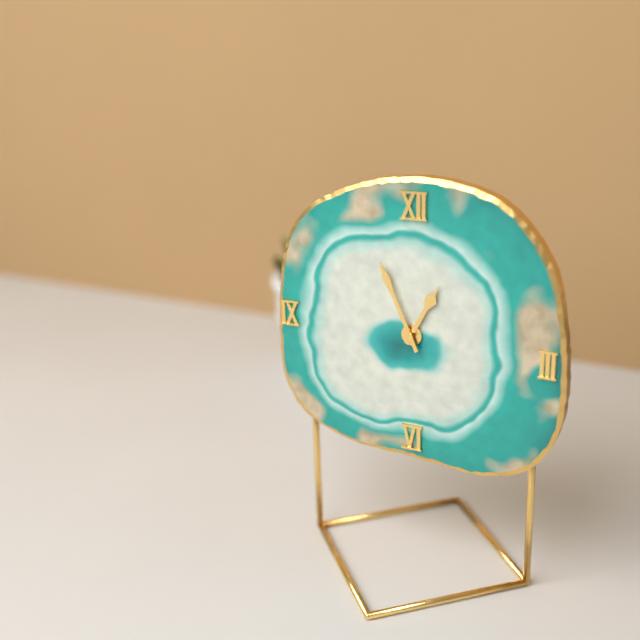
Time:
12:56
